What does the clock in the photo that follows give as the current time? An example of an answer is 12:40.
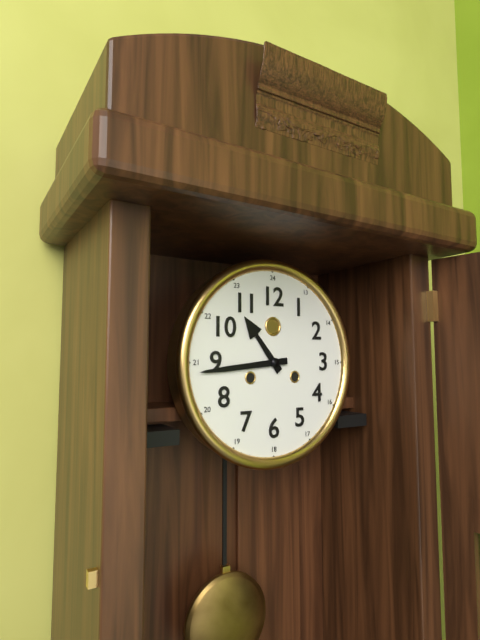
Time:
10:44
